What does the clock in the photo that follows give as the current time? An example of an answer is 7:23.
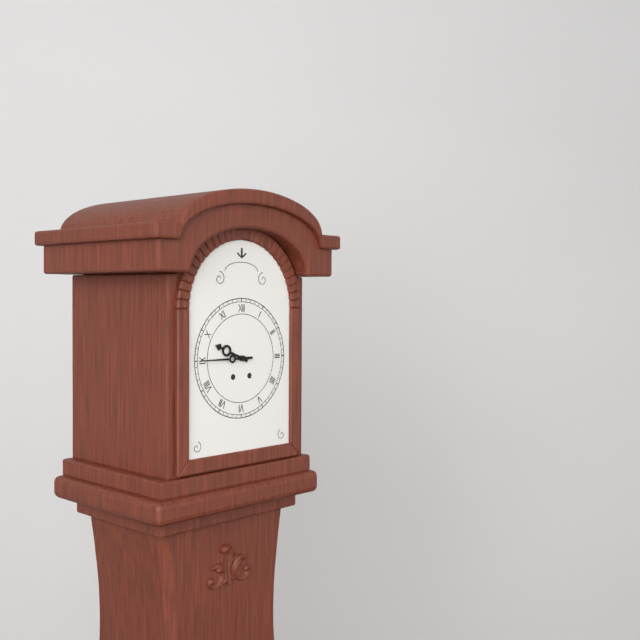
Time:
9:45
